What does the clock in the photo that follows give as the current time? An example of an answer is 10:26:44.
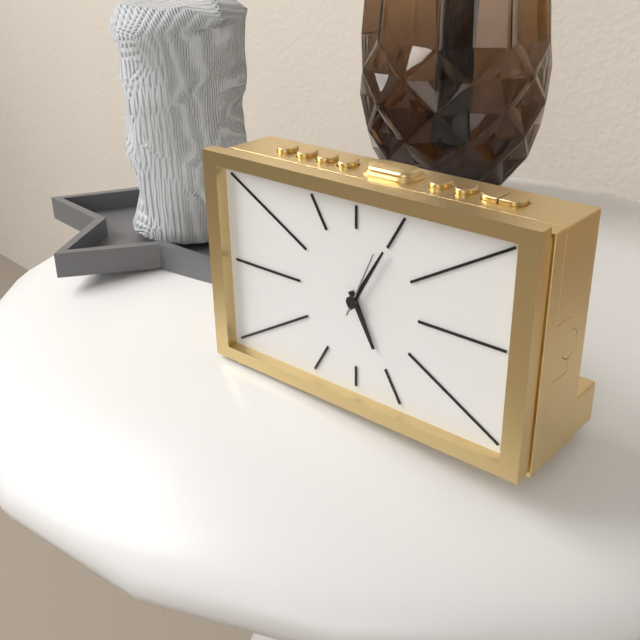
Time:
5:05:04
